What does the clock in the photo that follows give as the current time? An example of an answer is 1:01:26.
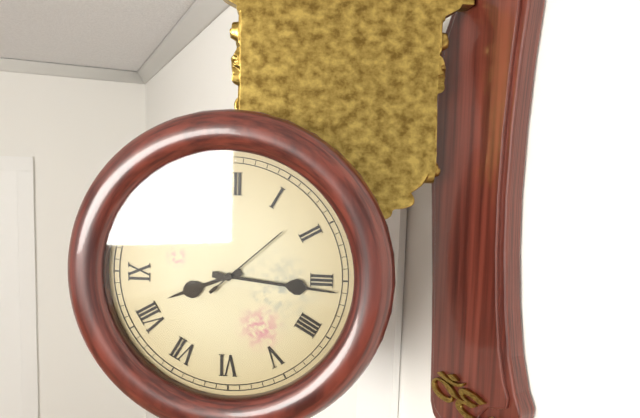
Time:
8:16:08
